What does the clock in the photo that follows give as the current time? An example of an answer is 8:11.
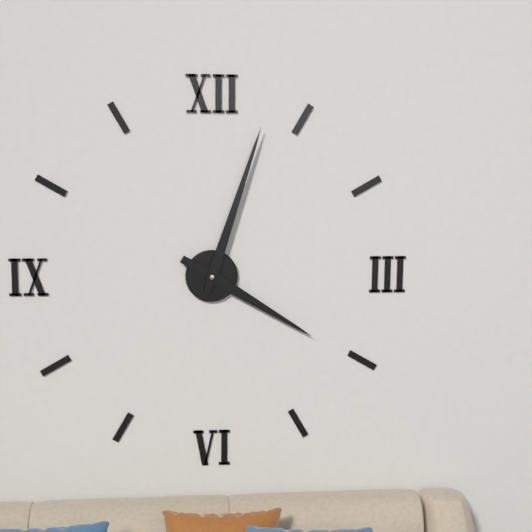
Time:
4:03
